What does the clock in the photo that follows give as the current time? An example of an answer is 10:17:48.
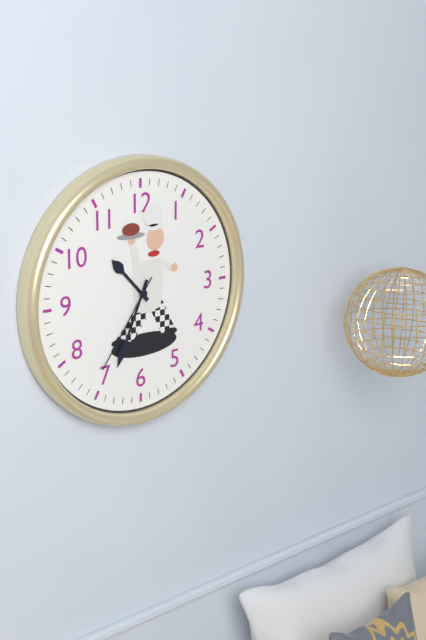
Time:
10:34:36
